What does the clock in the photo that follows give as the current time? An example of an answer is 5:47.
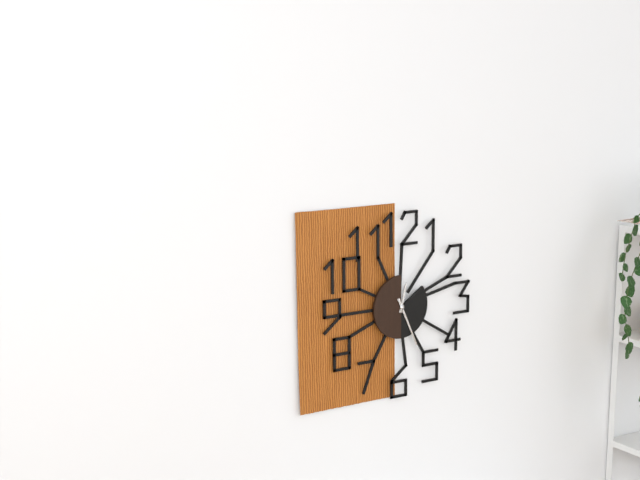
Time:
12:26
